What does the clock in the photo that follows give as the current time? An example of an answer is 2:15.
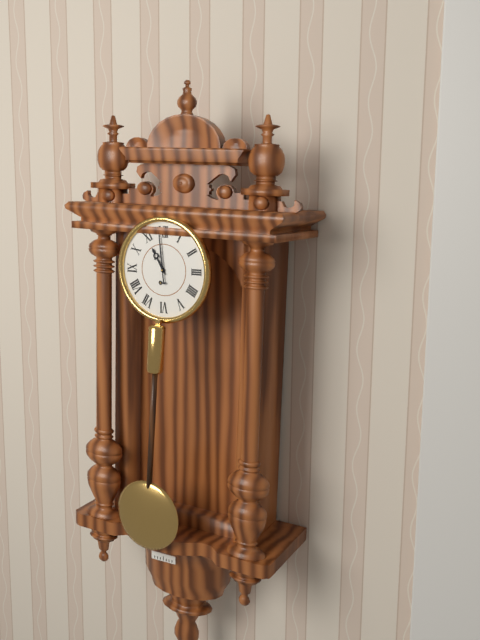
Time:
10:59
